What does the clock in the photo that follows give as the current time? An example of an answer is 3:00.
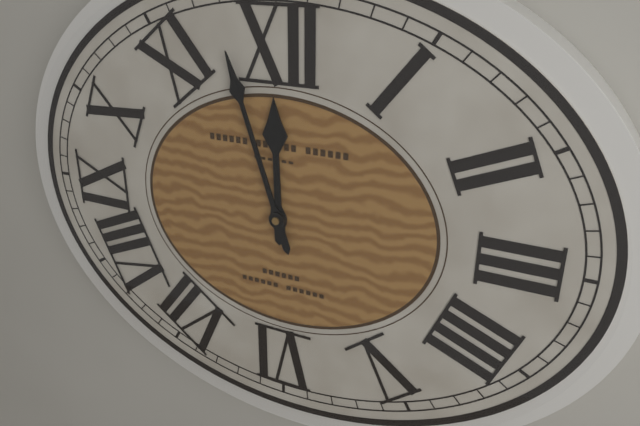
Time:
11:57
